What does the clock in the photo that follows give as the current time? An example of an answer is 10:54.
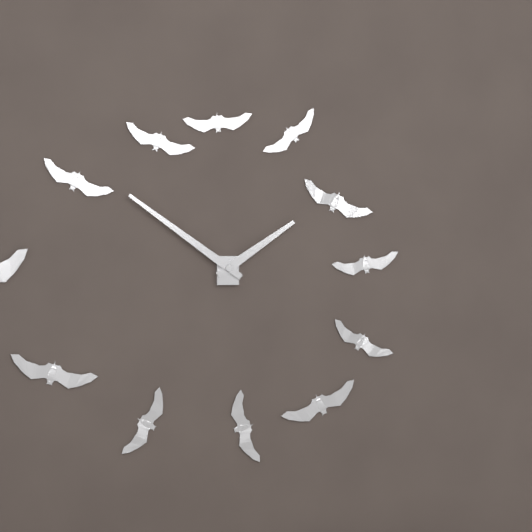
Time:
1:51
